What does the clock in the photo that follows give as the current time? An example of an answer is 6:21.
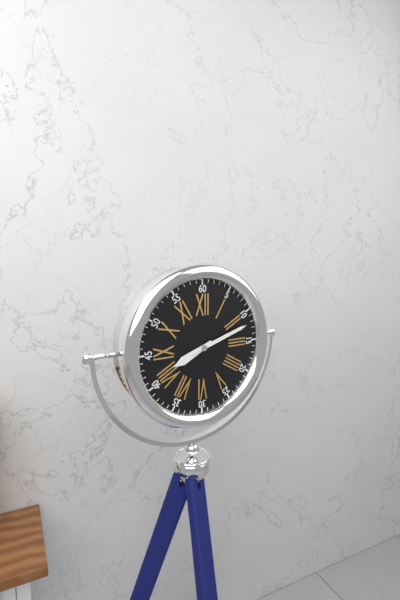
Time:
8:12
